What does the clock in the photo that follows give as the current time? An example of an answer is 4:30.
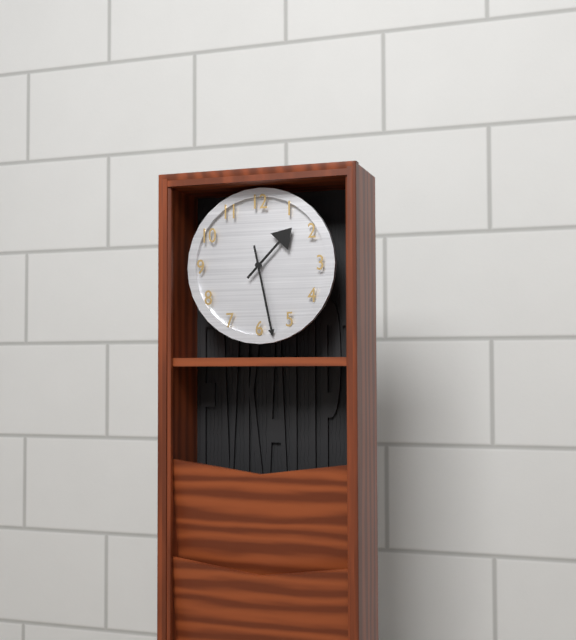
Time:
1:28
